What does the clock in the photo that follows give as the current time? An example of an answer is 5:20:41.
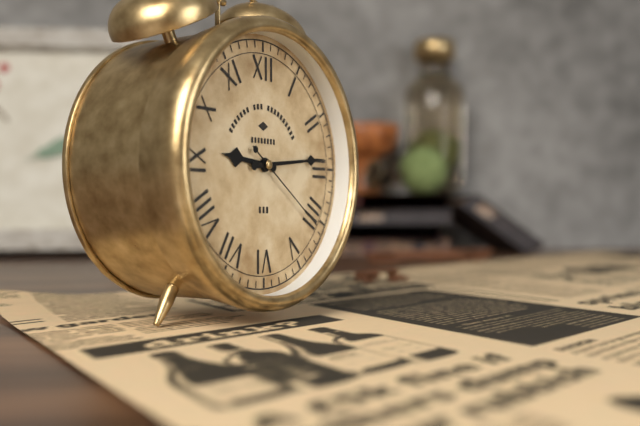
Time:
9:14:21
